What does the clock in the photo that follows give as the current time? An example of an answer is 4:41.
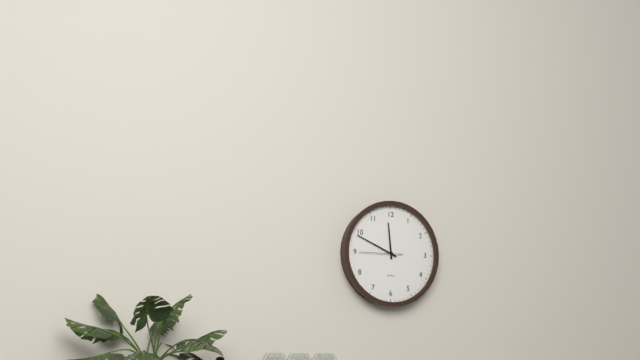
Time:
11:49
